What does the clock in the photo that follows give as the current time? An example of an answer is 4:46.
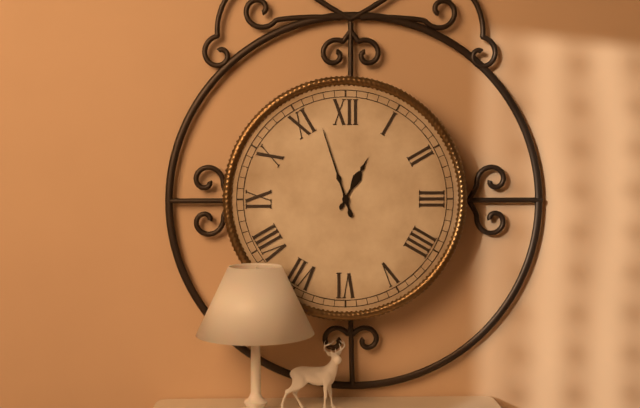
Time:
12:57
